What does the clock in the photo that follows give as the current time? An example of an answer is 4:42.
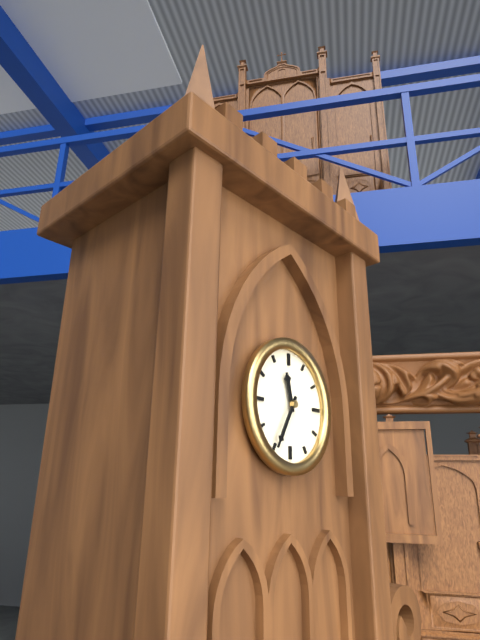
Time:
11:35
